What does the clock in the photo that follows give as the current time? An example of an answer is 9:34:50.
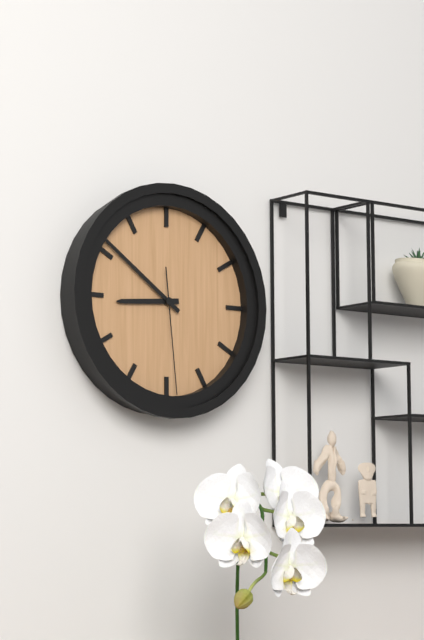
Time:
8:51:29
